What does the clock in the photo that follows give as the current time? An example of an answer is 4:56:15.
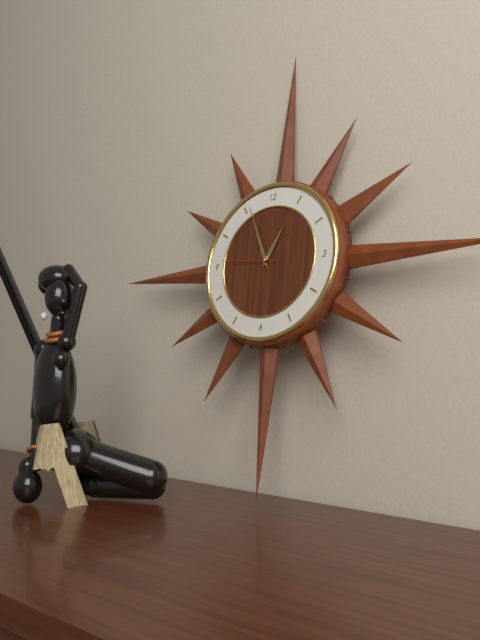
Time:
12:56:46
